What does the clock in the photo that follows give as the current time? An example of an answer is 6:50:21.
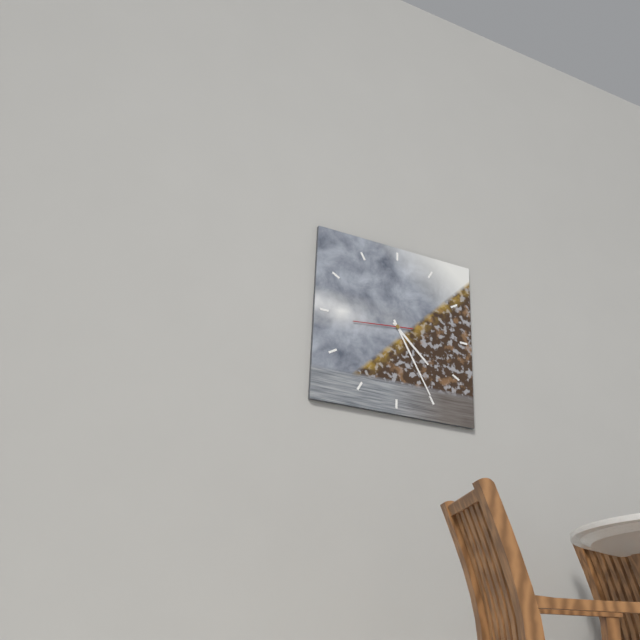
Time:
4:25:44
